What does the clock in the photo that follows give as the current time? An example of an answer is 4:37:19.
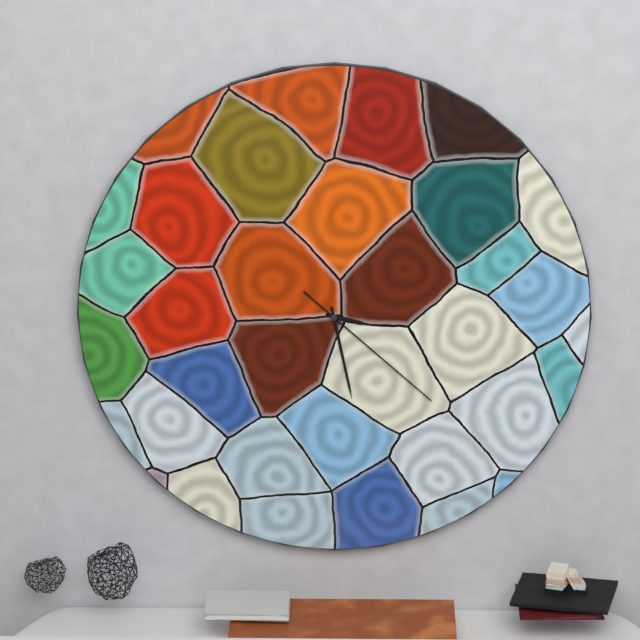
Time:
3:28:22
